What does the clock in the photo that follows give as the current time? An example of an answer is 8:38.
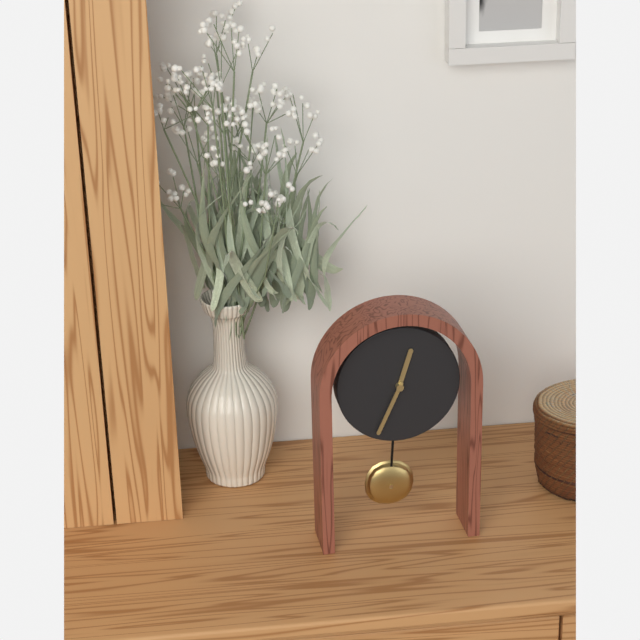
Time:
12:34
